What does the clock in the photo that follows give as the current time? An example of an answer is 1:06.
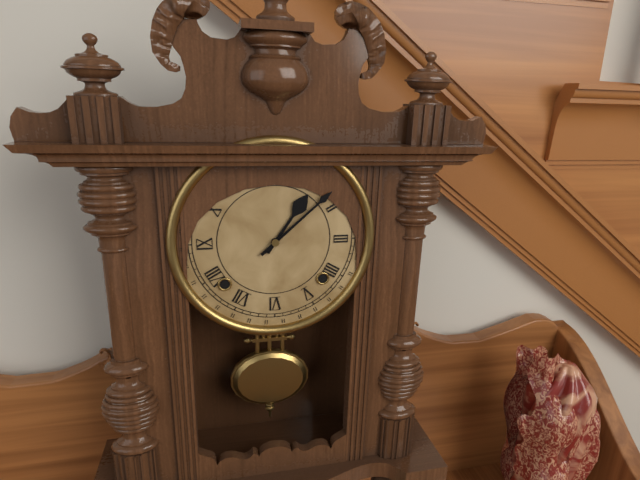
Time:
1:08
